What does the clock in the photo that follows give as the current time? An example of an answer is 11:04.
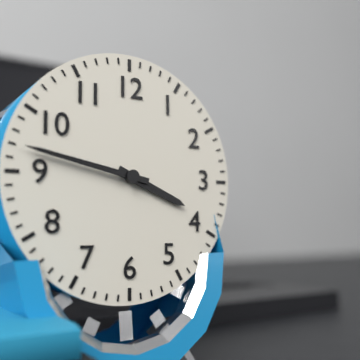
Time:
3:47
